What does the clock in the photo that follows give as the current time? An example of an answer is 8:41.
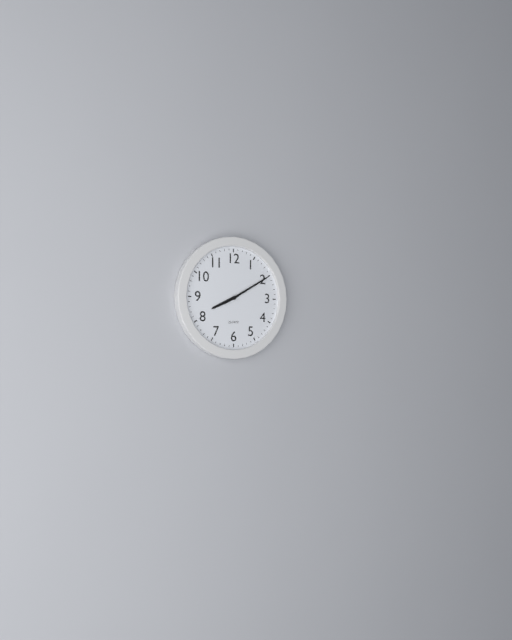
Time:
8:10
